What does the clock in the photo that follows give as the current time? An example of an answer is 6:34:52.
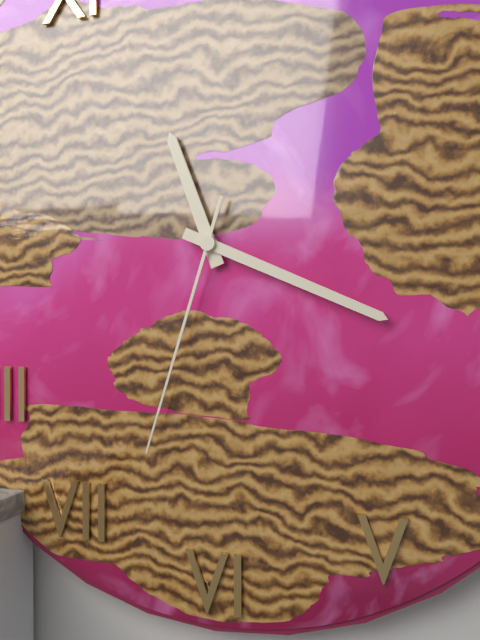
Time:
11:19:33
